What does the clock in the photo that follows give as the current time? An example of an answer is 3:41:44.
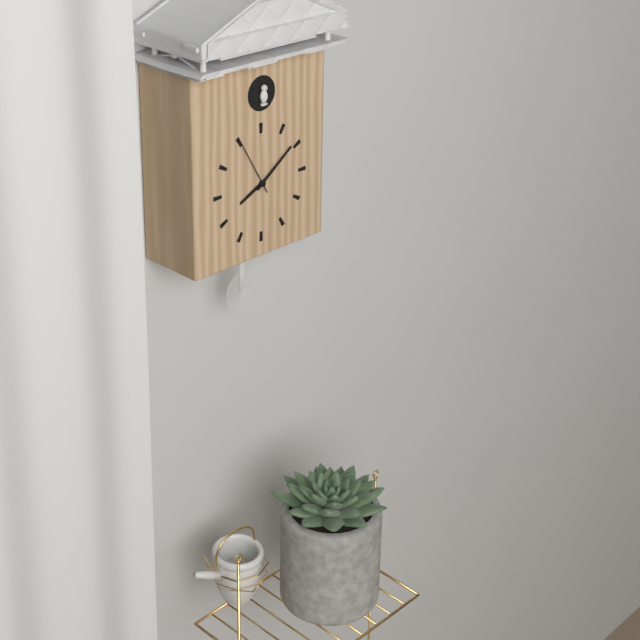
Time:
8:09:55
